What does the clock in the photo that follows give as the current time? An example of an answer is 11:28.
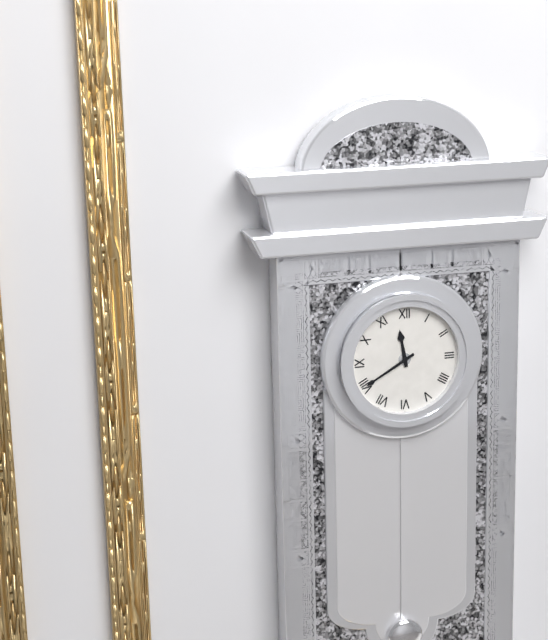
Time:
11:40
